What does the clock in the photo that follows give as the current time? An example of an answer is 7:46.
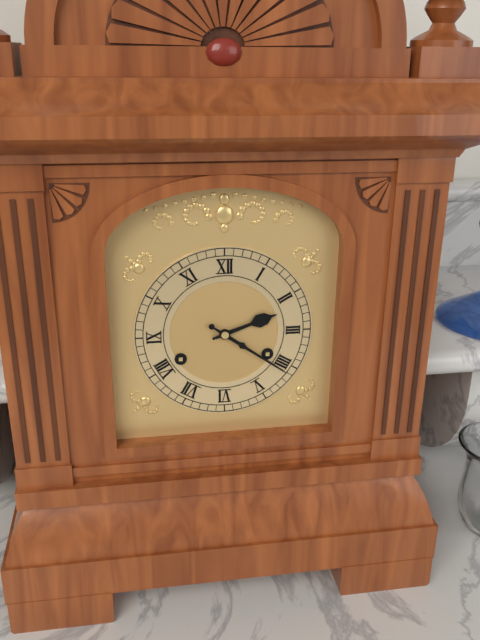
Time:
2:21
